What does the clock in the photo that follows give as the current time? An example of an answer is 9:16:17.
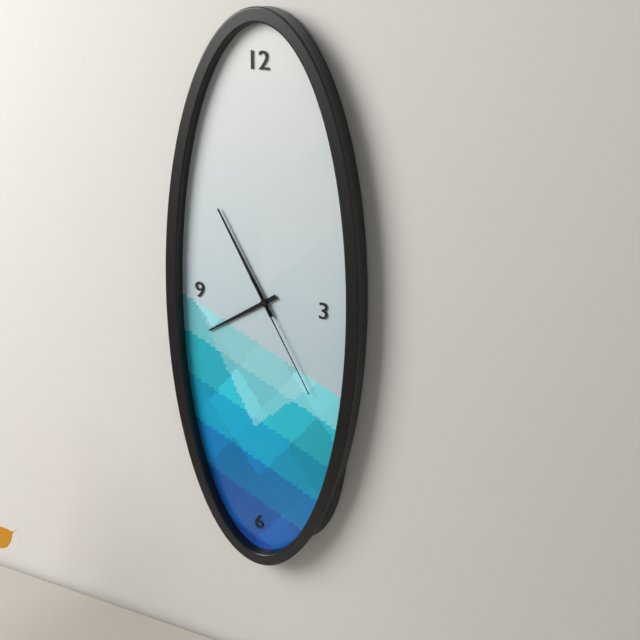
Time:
7:55:25
